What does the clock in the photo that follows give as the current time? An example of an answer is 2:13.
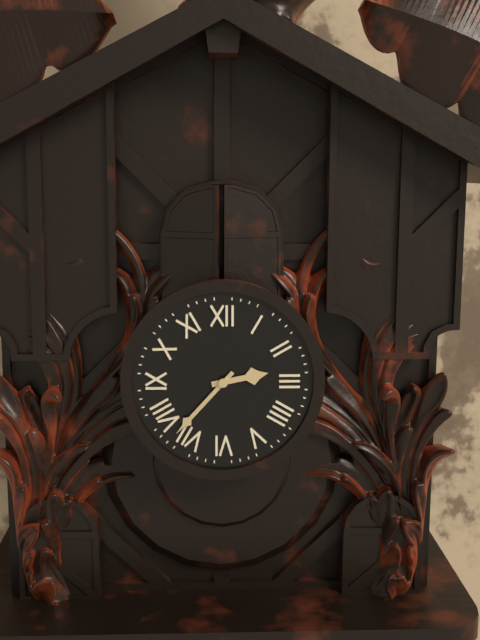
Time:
2:37
